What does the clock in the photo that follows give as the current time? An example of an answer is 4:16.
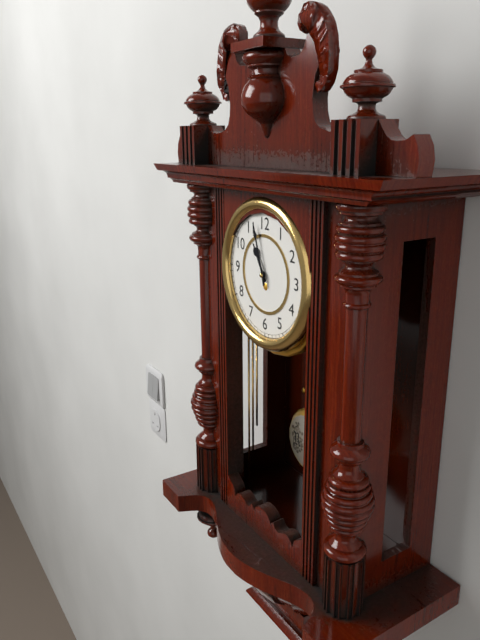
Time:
10:57
